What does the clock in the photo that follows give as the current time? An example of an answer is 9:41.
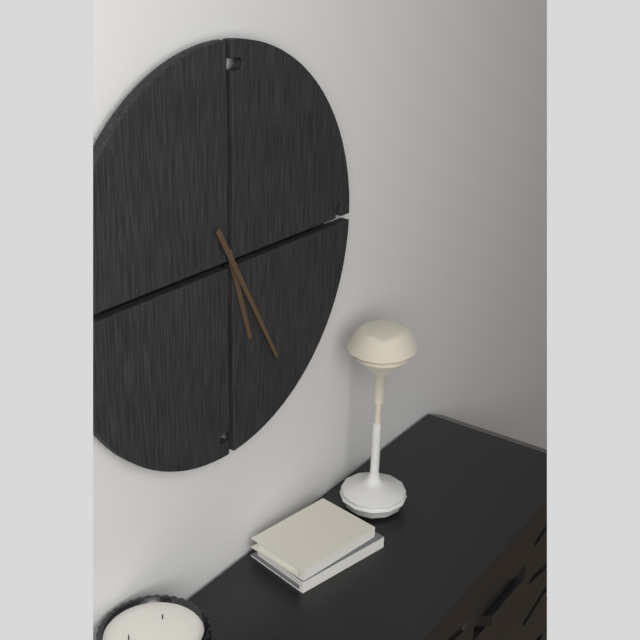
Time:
5:25
